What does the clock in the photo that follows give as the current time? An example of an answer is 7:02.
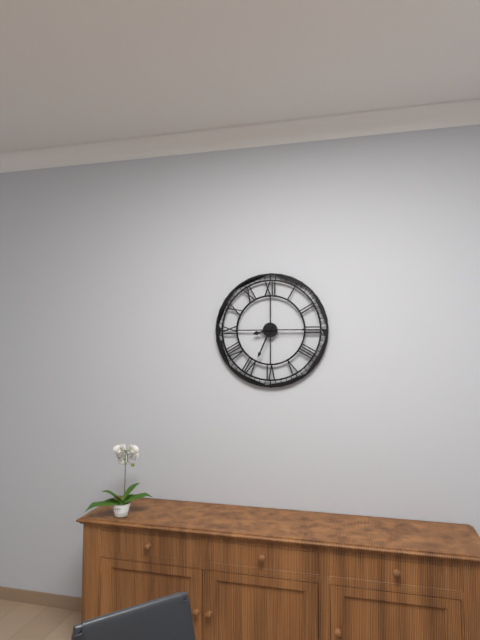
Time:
8:34
